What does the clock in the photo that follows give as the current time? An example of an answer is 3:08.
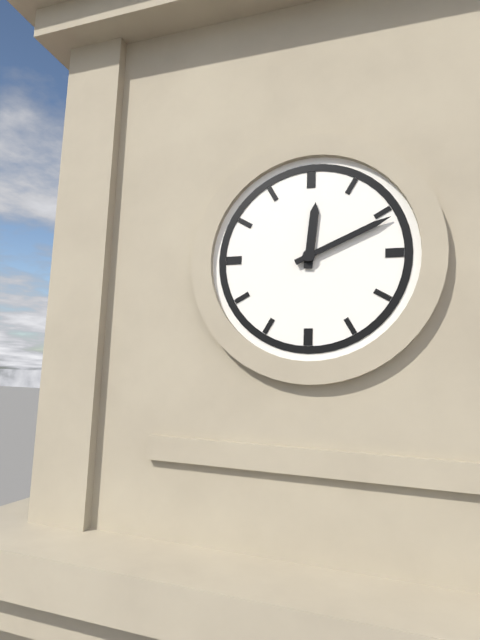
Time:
12:11
